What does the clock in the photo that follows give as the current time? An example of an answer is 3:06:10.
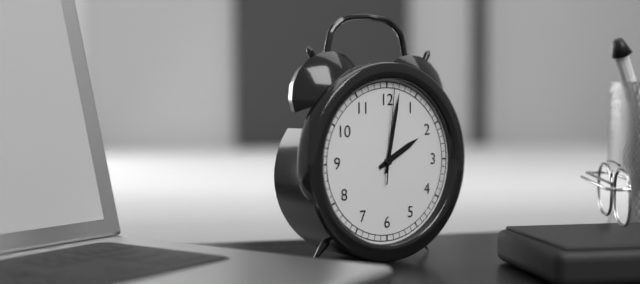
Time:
2:02:01
